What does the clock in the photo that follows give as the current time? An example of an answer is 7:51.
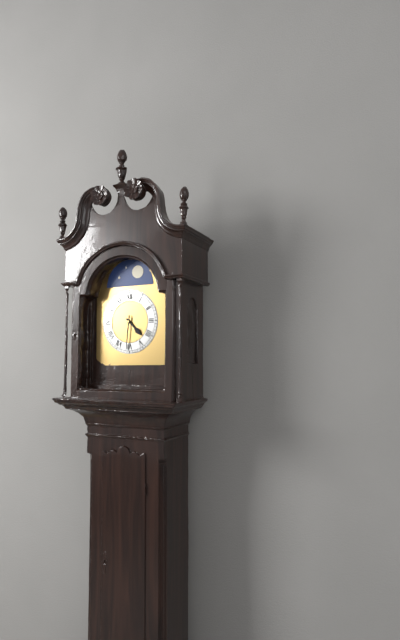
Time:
4:31
